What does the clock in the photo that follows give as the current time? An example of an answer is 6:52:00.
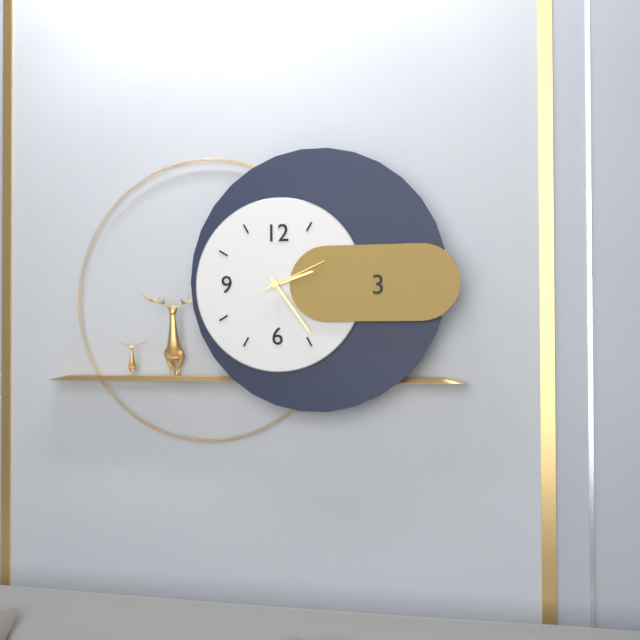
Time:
2:24:11
